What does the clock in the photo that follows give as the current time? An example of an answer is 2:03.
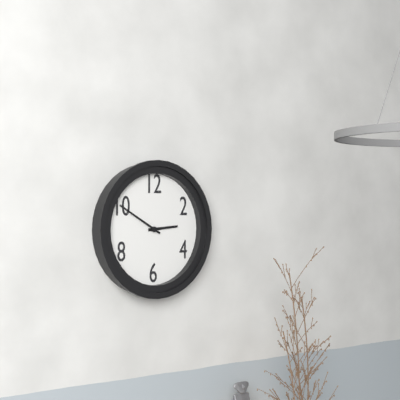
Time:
2:50
